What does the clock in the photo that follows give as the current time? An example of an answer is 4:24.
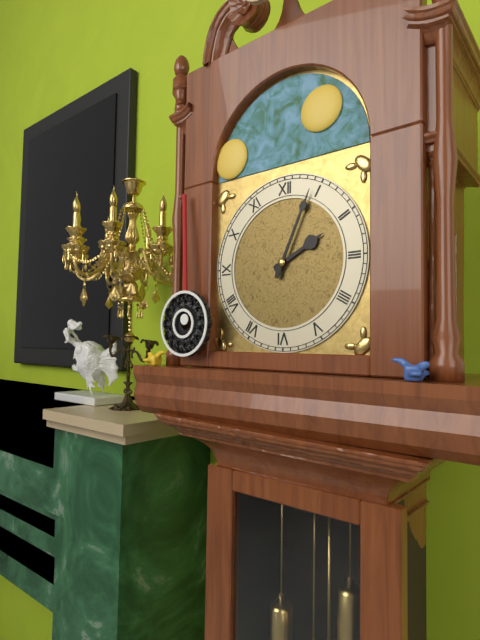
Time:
2:04
